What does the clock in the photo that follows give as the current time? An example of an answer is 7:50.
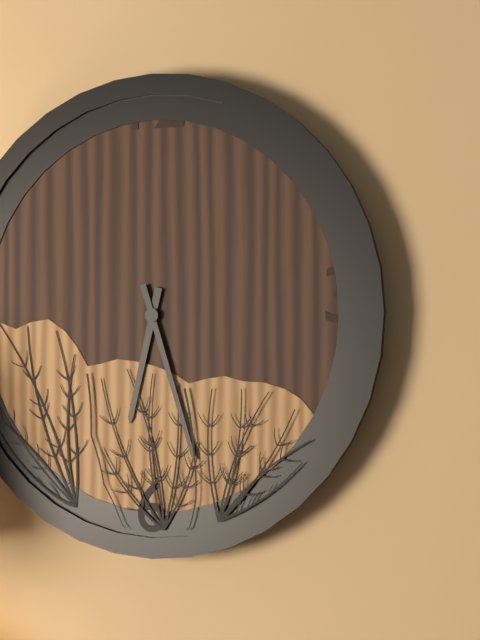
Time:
6:27
